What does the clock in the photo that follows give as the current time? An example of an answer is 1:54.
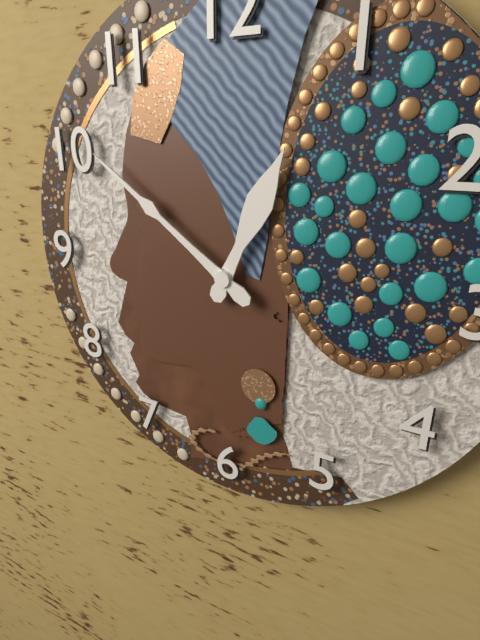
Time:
12:51
